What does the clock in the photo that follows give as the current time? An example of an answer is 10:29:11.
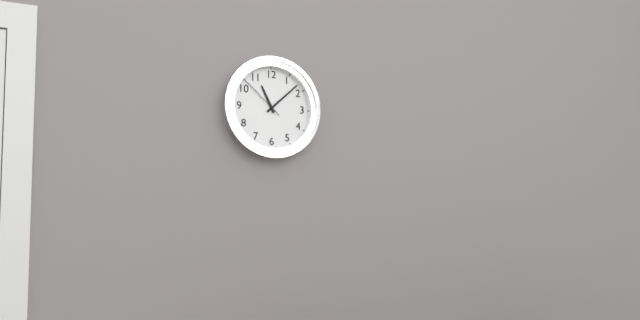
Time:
11:08:52
